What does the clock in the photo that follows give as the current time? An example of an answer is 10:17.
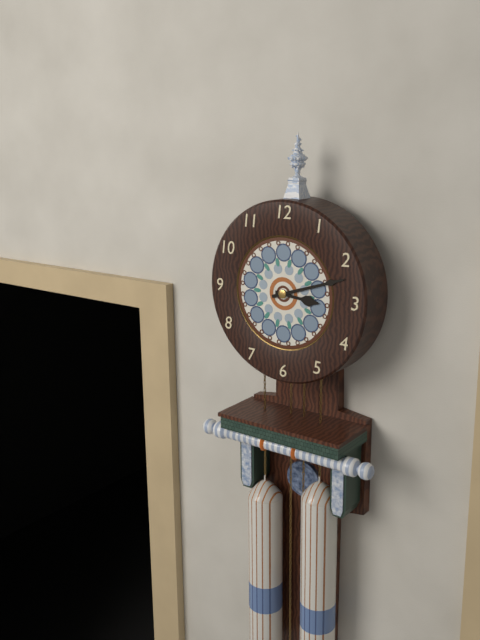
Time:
3:12
